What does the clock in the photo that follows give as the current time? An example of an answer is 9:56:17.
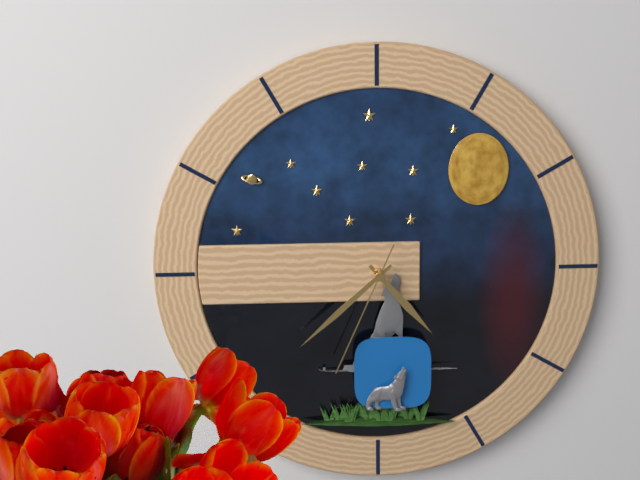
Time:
4:38:34
